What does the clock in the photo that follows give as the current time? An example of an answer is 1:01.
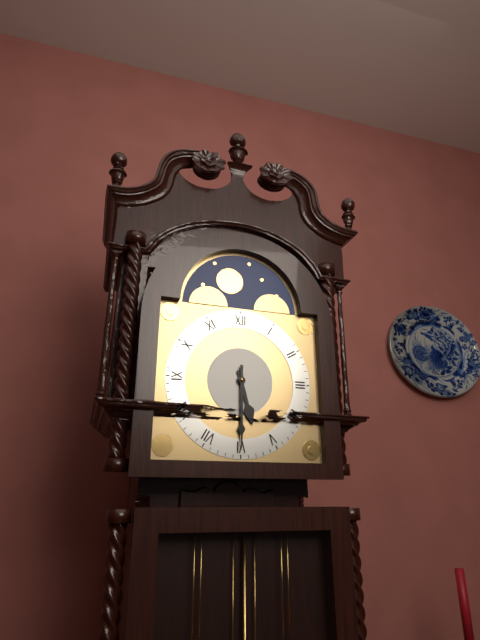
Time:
5:30
